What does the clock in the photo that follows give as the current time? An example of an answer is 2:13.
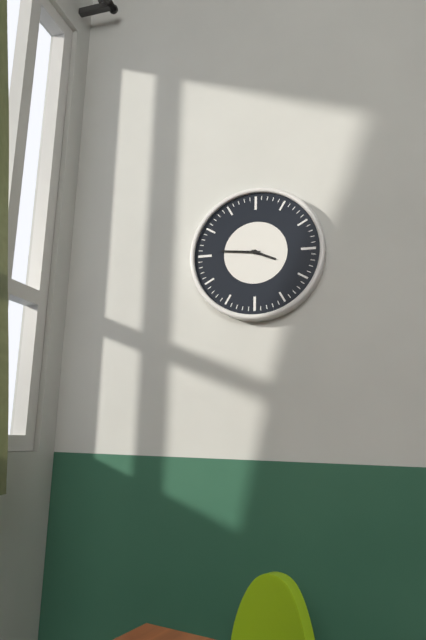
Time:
3:46
